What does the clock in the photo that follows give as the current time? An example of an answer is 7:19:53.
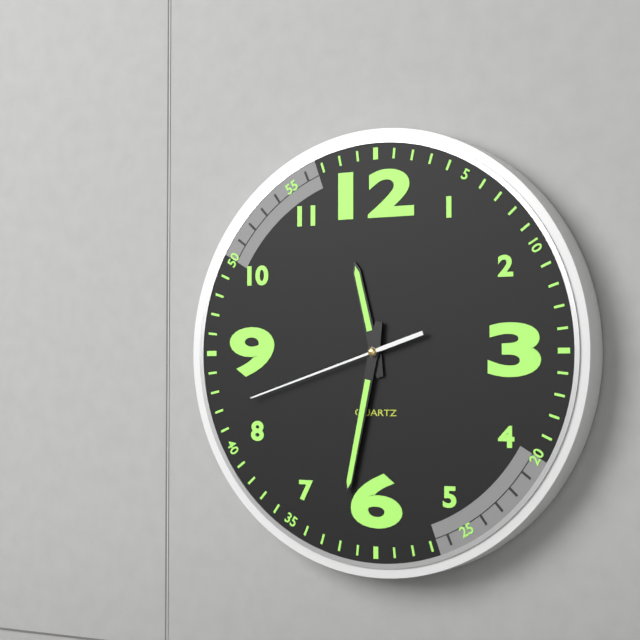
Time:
11:32:42
